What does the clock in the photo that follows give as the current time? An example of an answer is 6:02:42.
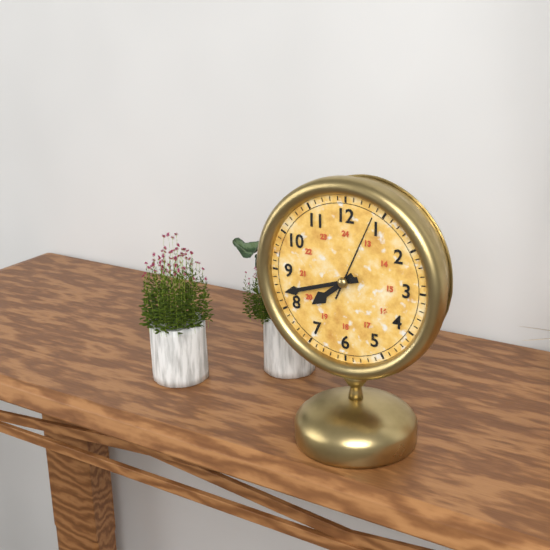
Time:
7:42:04
